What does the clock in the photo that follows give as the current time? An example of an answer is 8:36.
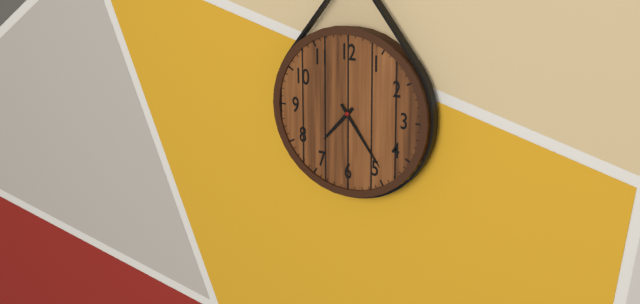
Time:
7:24
